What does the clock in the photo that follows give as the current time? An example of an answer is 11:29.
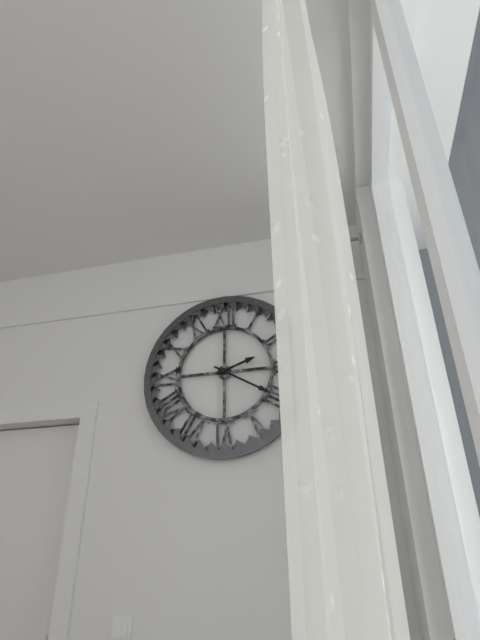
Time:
2:20
